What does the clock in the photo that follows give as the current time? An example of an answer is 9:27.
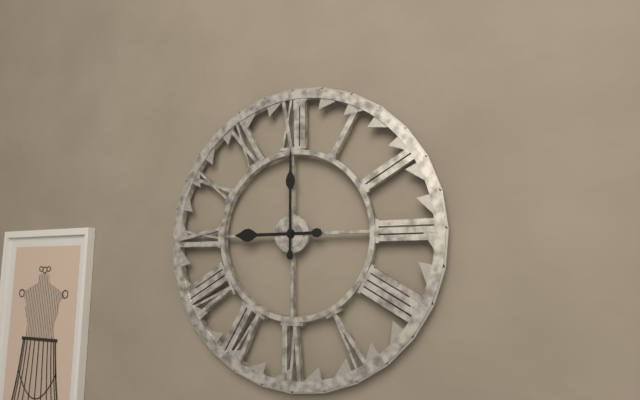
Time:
9:00
